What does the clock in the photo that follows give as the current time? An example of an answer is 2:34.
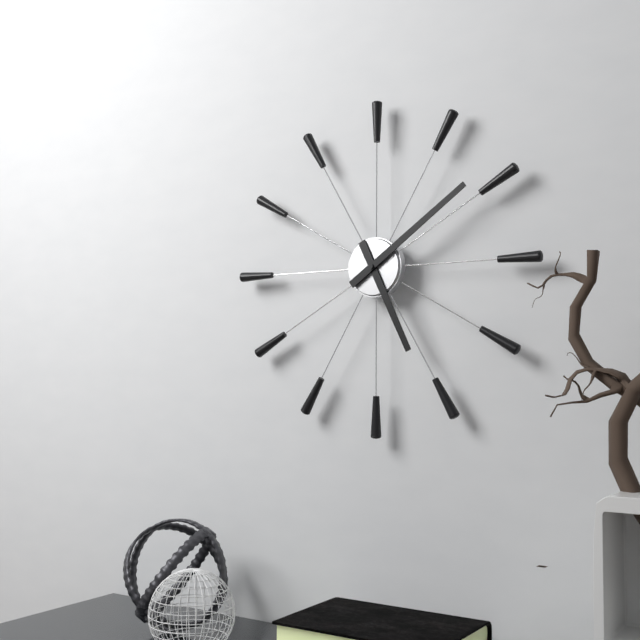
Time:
5:09
